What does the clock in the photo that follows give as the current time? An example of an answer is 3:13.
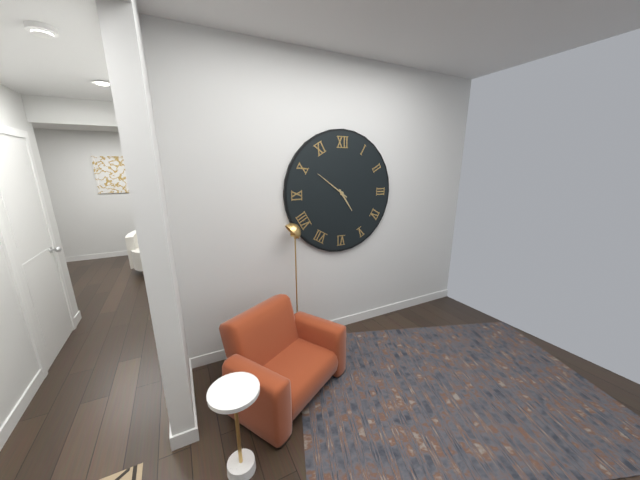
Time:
4:51
